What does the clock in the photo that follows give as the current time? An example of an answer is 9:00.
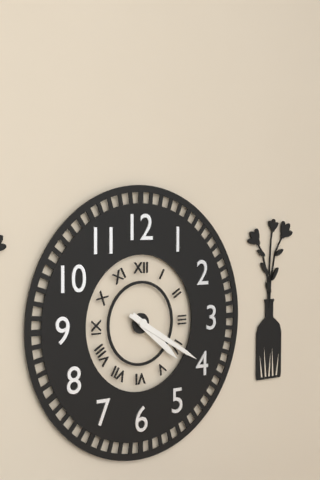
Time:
4:20
